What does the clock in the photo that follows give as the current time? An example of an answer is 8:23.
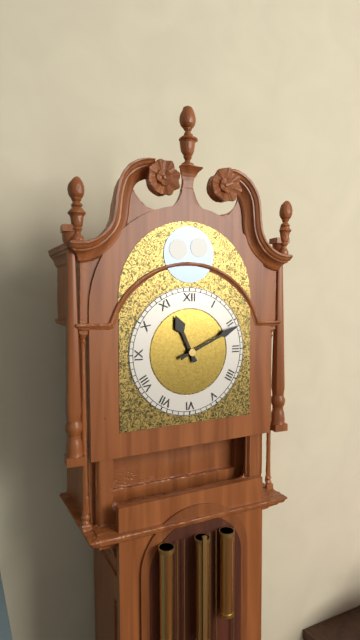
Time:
11:11
